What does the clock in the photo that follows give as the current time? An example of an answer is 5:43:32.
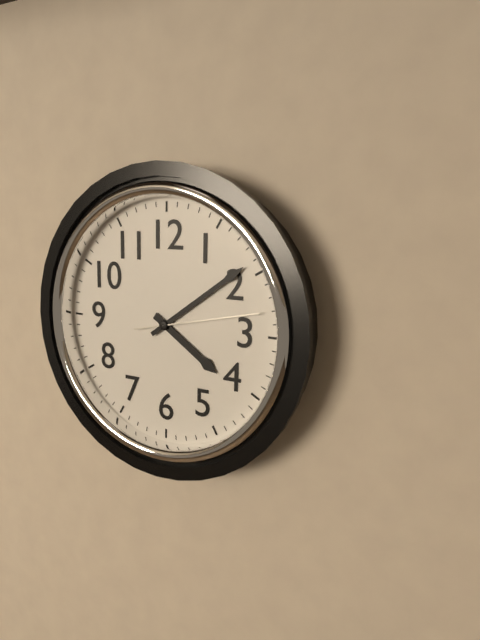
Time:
4:09:13
